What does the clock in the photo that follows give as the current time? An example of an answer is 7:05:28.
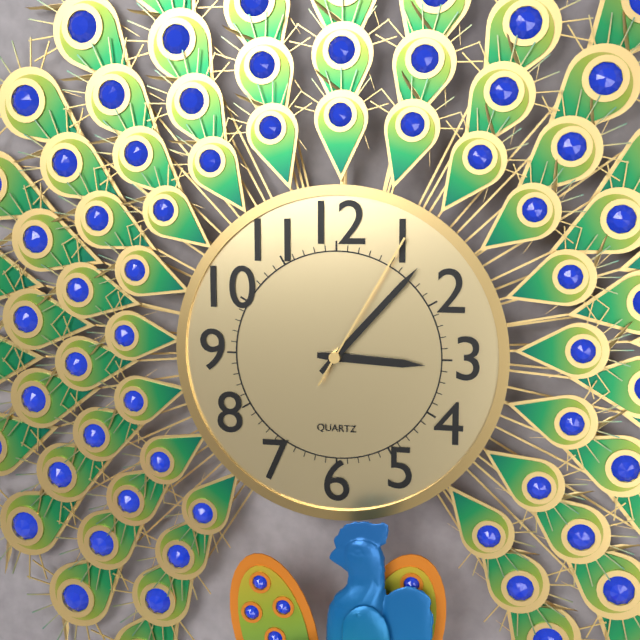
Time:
3:07:05
